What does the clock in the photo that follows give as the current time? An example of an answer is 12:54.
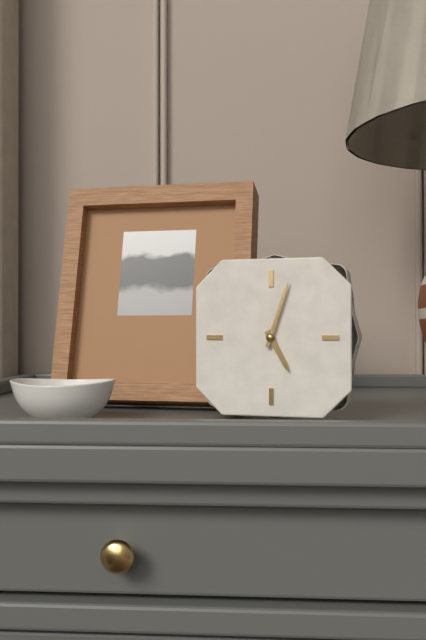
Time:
5:03
